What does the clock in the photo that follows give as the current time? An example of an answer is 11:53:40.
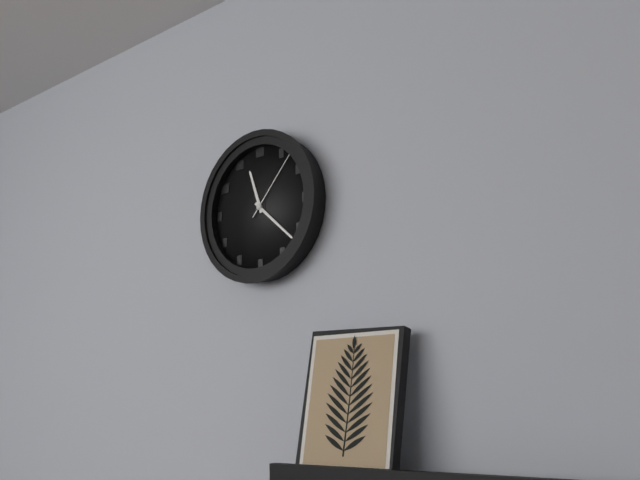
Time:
11:22:07
